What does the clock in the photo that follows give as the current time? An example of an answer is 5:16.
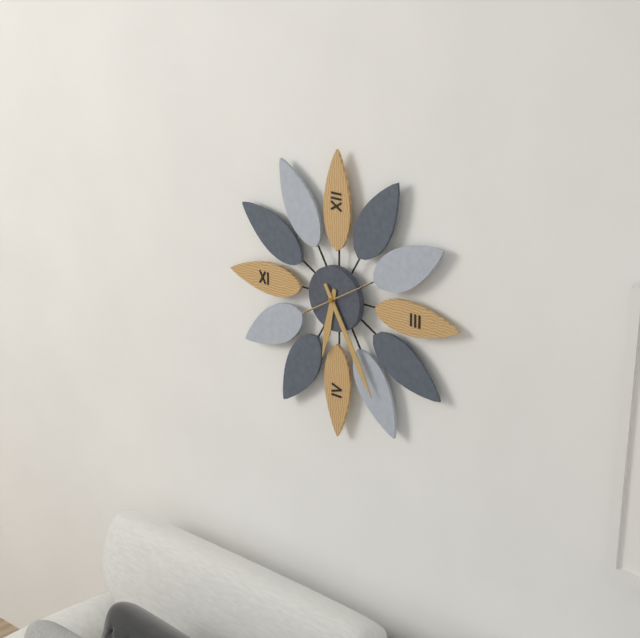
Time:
6:25
